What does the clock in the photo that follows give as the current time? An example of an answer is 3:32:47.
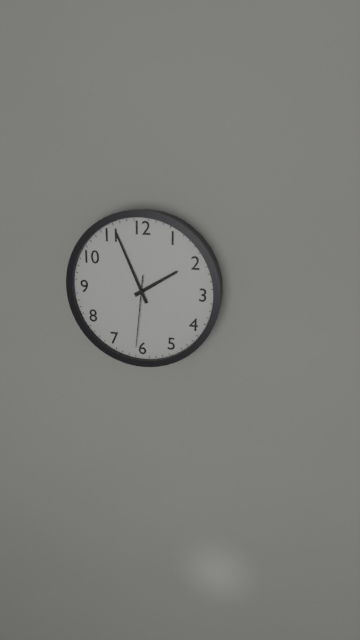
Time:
1:56:31
